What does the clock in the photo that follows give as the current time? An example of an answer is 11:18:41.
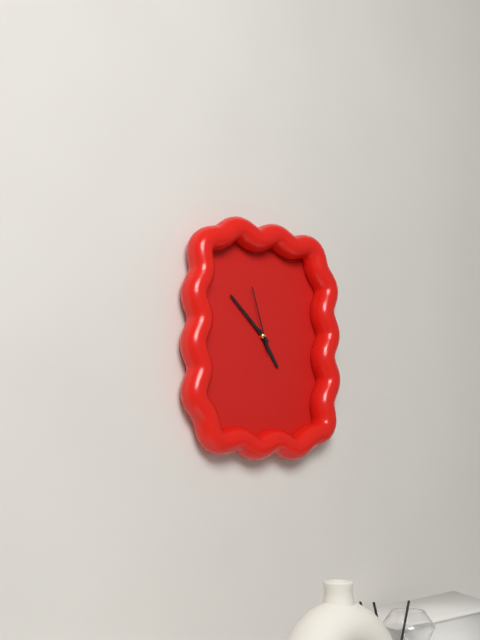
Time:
4:52:57
